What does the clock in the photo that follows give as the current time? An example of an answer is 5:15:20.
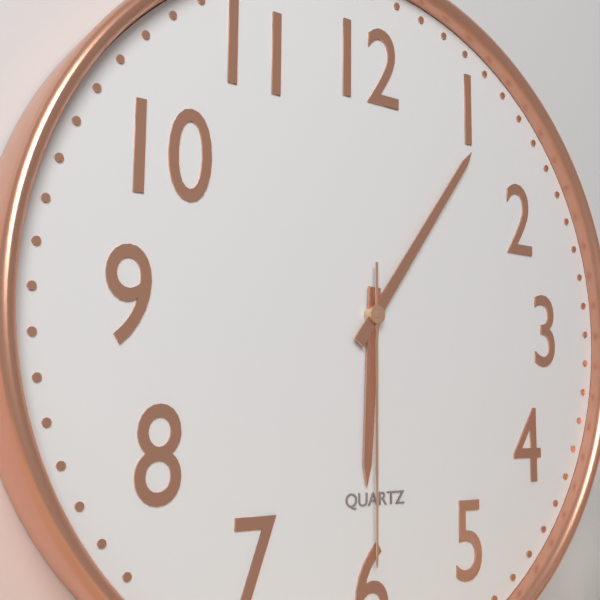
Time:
6:06:30
